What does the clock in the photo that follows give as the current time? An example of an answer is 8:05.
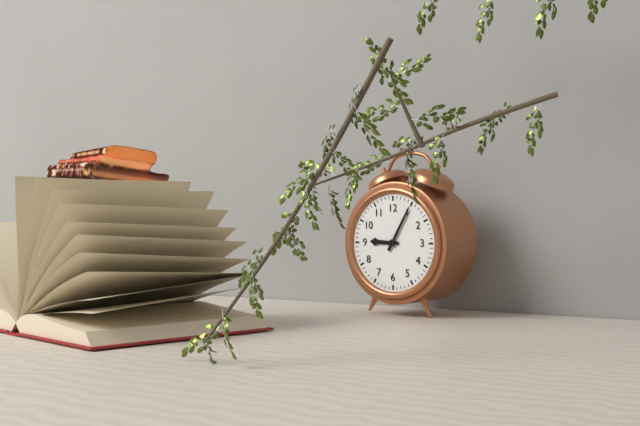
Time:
9:05
